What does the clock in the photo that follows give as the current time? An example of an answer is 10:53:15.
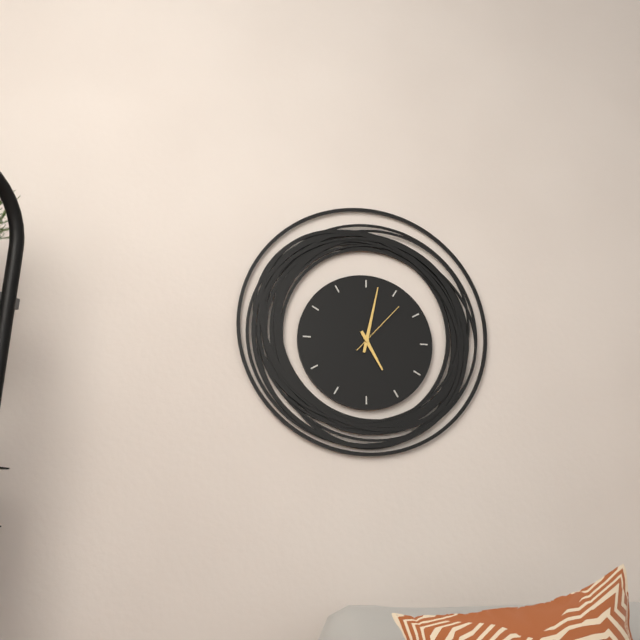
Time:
5:02:07
